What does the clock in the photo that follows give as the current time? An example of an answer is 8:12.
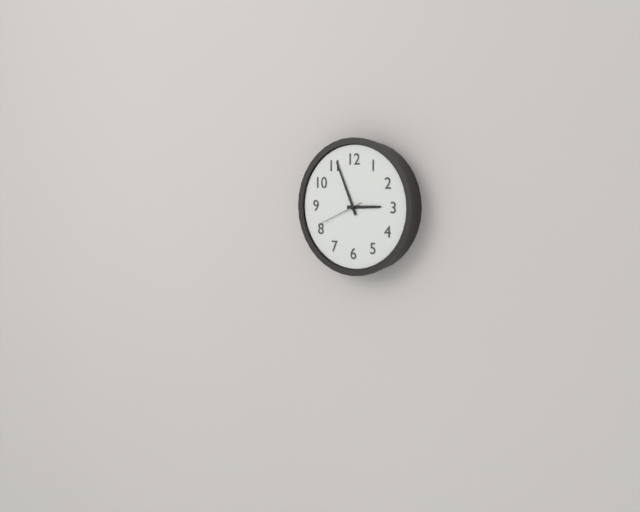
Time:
2:56
